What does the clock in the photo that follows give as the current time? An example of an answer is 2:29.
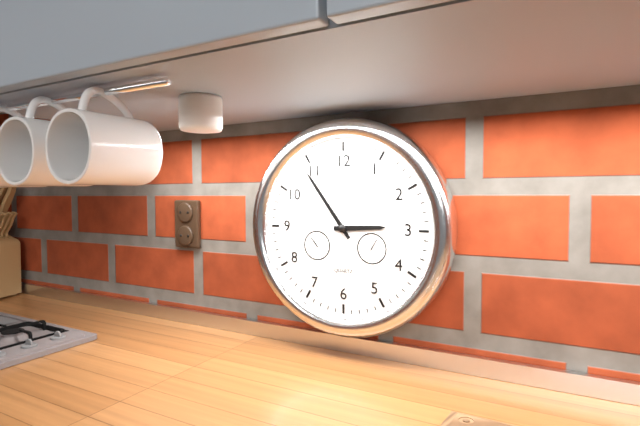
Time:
2:54
